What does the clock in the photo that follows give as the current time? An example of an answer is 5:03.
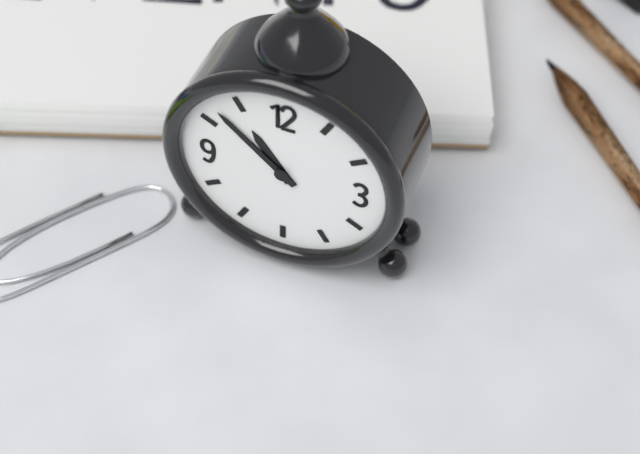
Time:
10:52
